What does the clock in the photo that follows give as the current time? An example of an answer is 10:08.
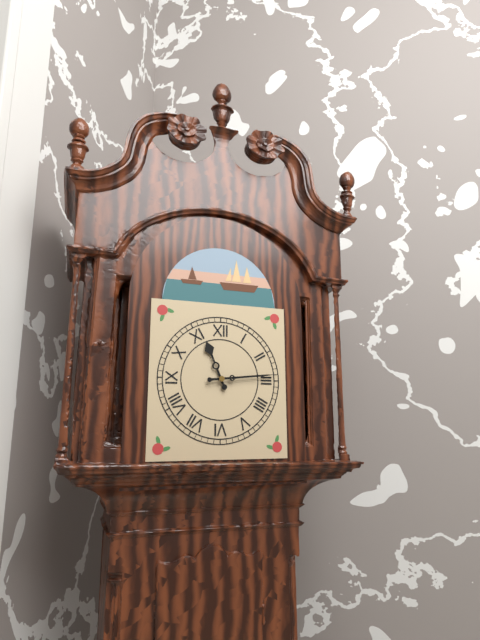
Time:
11:14
